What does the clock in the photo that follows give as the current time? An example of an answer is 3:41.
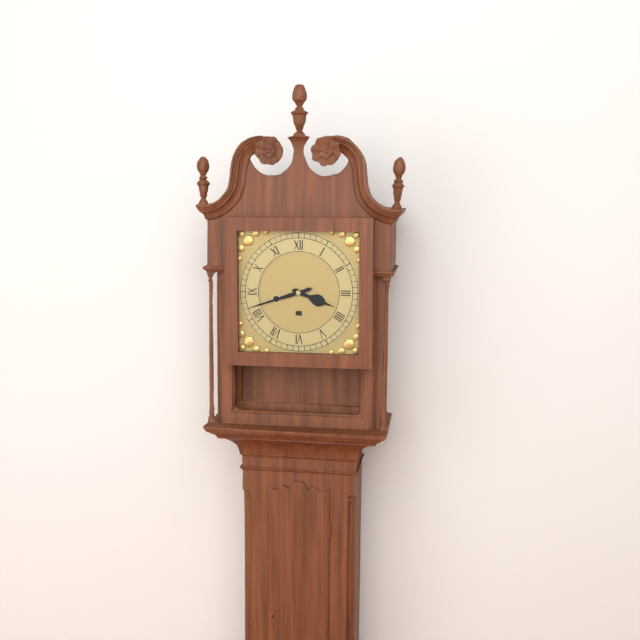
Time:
3:42
